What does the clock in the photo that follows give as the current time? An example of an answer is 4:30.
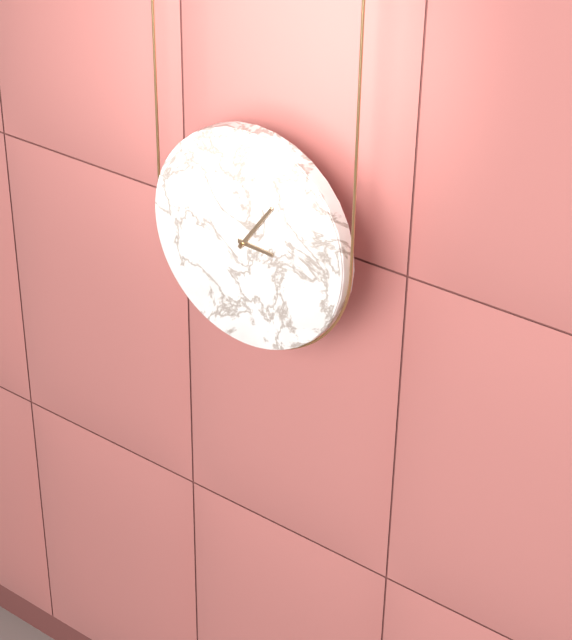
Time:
3:06
